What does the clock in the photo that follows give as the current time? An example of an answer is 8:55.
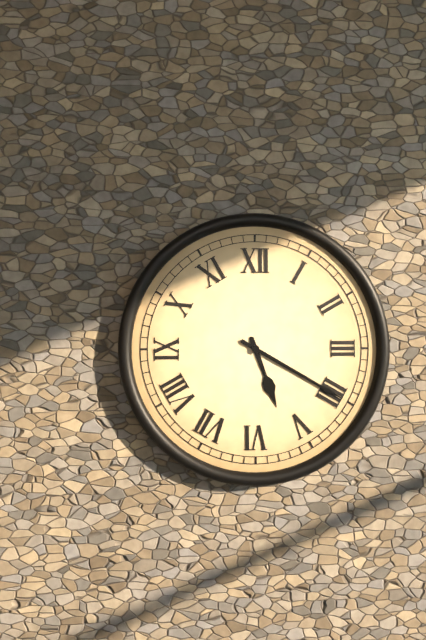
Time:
5:20
